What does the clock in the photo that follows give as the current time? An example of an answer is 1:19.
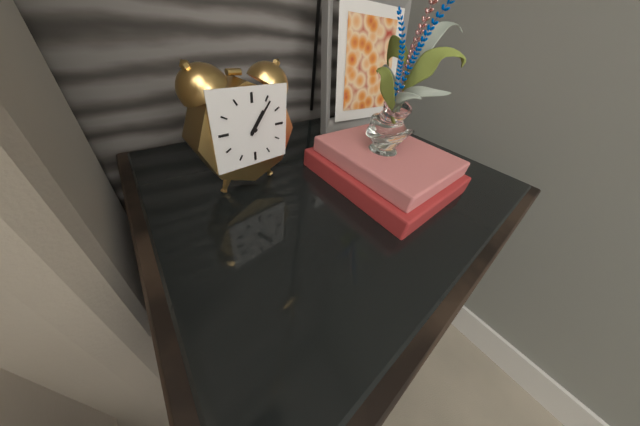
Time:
1:06
